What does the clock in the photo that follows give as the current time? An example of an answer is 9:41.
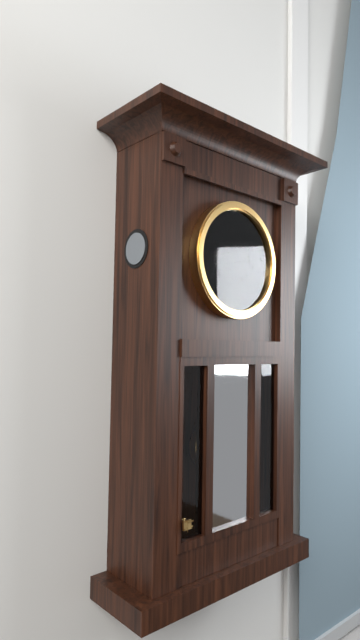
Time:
12:02
